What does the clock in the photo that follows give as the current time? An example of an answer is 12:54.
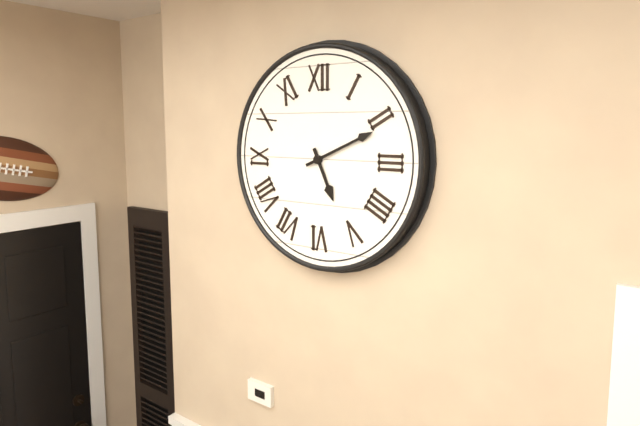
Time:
5:11
